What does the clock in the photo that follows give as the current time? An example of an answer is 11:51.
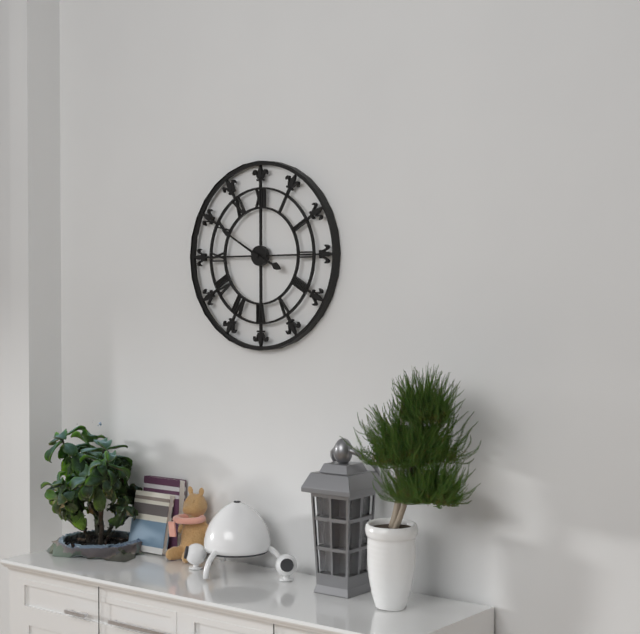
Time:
3:50
